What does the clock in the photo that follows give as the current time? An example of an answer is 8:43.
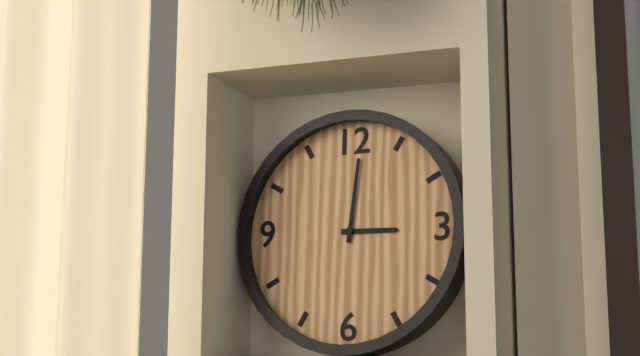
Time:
3:01
